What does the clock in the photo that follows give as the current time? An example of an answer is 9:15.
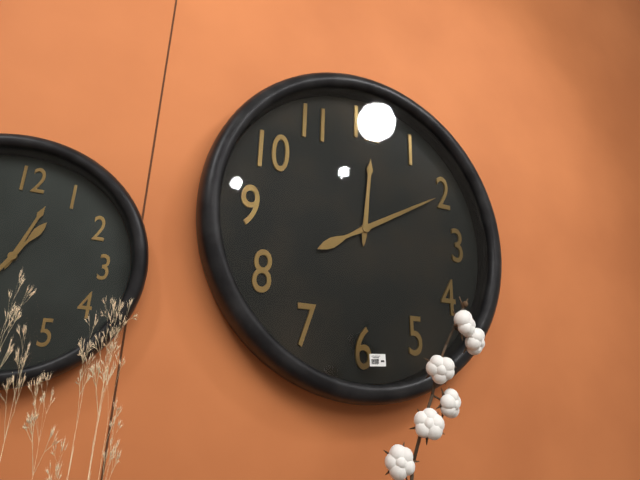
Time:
12:10
